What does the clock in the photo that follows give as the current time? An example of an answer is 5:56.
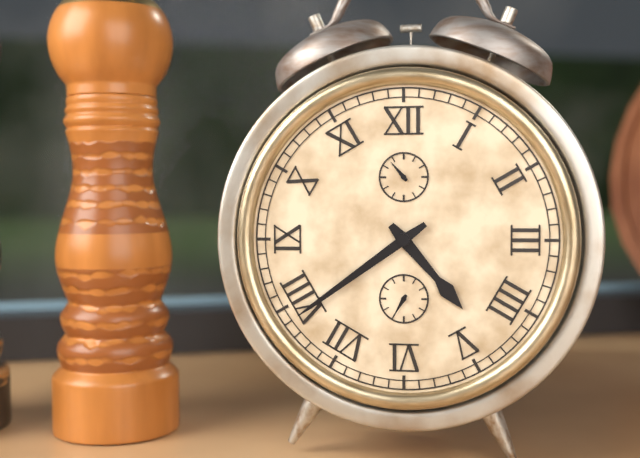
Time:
4:39
